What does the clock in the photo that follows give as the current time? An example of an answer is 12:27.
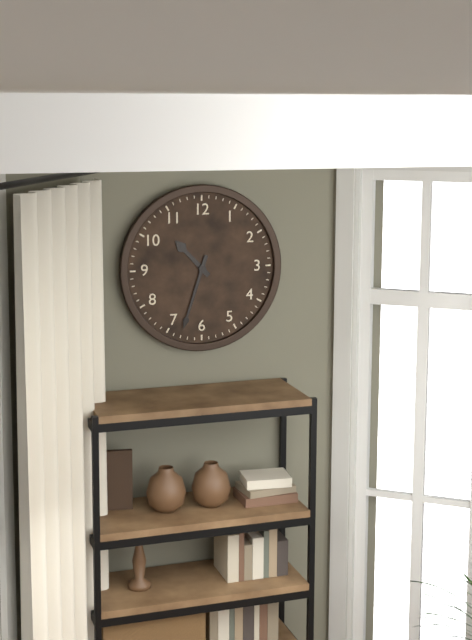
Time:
10:33
